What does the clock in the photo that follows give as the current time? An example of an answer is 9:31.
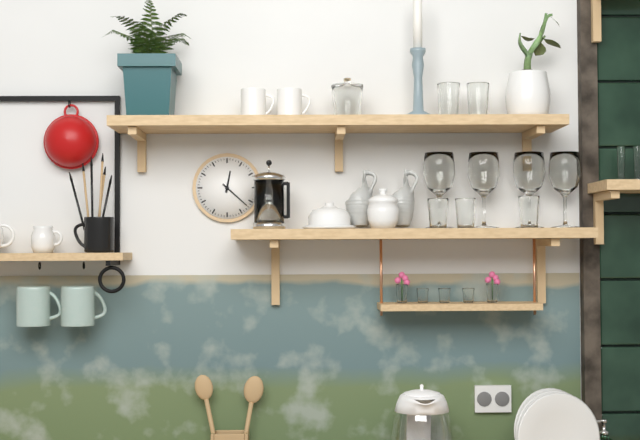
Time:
12:22
